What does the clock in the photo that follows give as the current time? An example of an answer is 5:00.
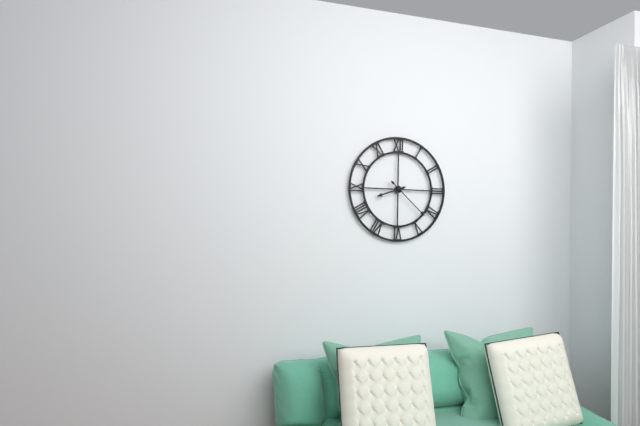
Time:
8:22
